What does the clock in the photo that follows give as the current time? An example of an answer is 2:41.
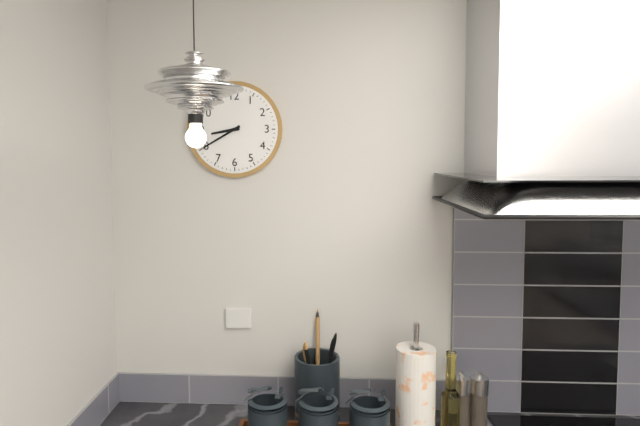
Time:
8:40
